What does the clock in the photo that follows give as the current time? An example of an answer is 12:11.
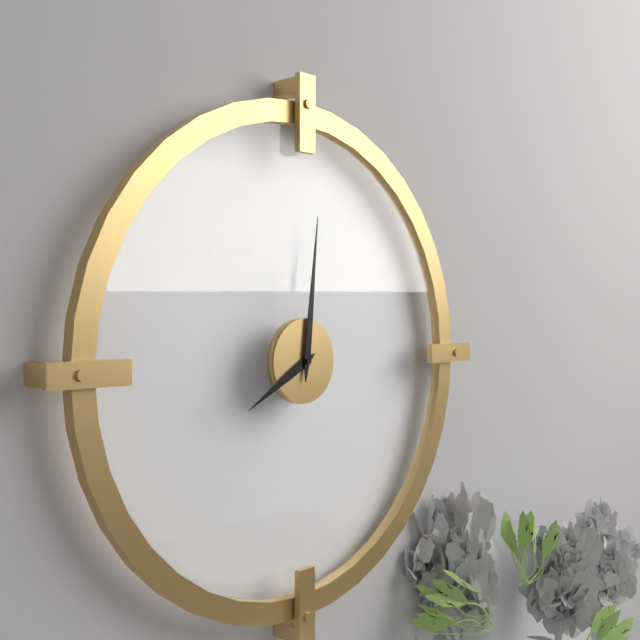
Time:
8:01
